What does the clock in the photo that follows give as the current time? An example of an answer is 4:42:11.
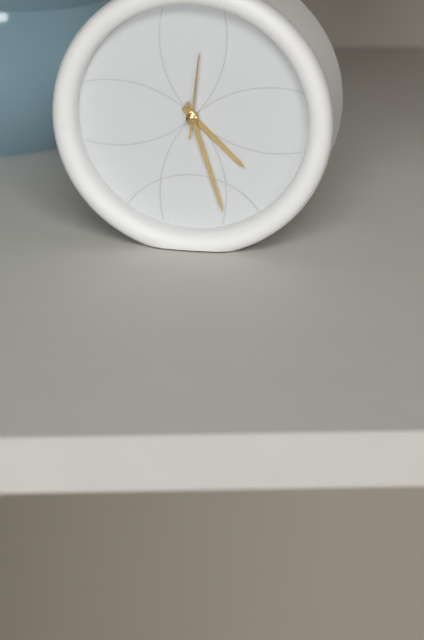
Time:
4:27:01
